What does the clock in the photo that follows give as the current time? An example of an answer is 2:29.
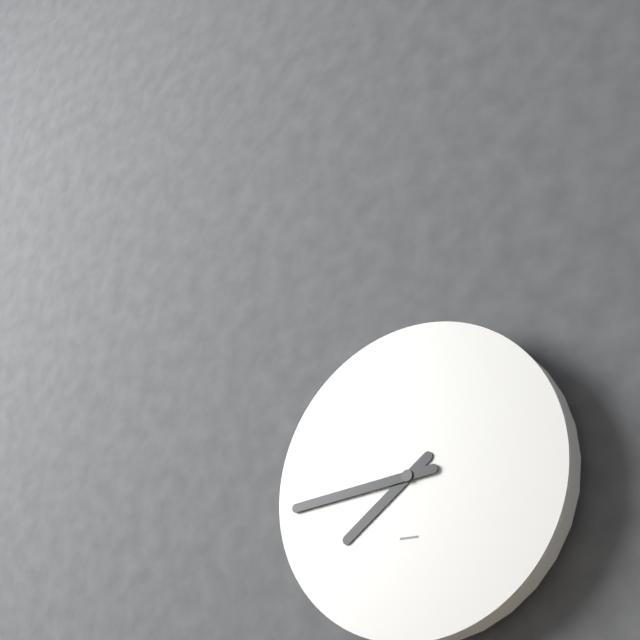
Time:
7:44
